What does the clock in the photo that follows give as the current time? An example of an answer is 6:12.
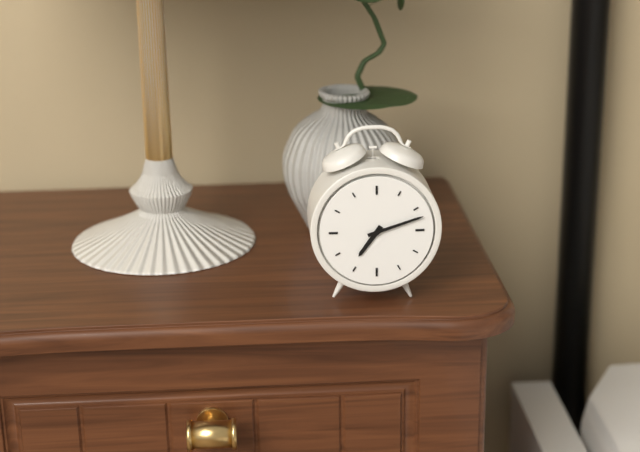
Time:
7:12
